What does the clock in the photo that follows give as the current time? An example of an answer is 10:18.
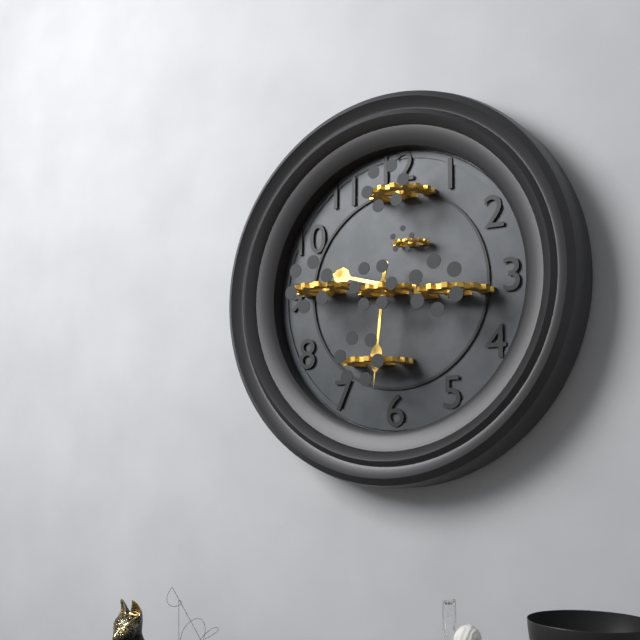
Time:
9:31
